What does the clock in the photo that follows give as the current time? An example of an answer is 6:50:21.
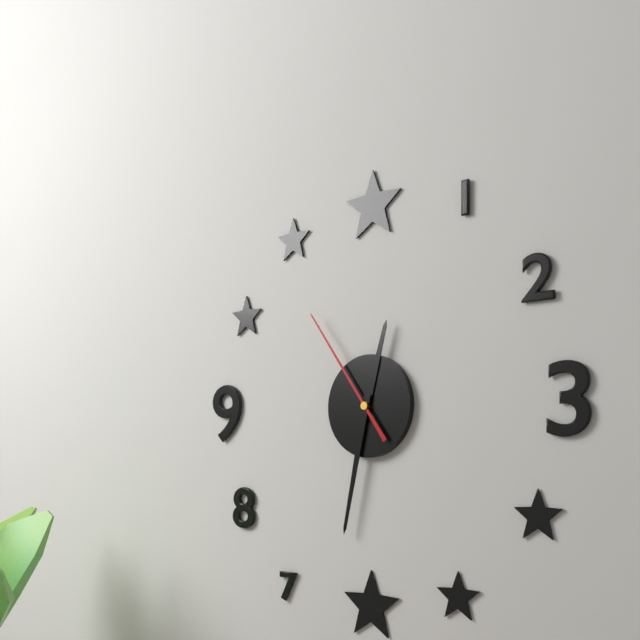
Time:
12:32:54
